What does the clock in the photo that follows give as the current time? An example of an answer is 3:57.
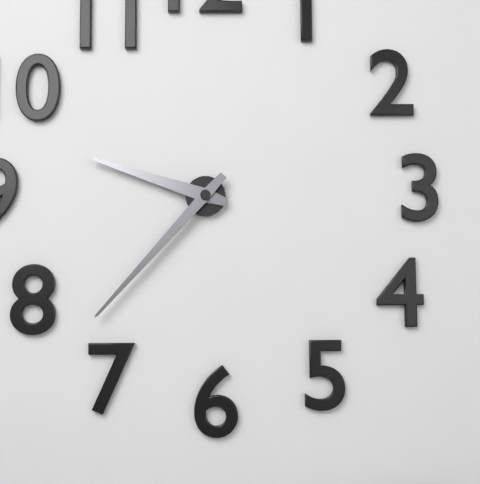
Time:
9:37
